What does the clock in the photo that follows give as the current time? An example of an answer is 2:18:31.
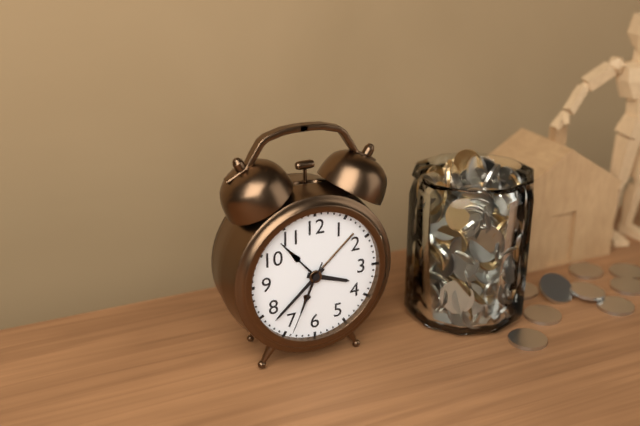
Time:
3:38:34
